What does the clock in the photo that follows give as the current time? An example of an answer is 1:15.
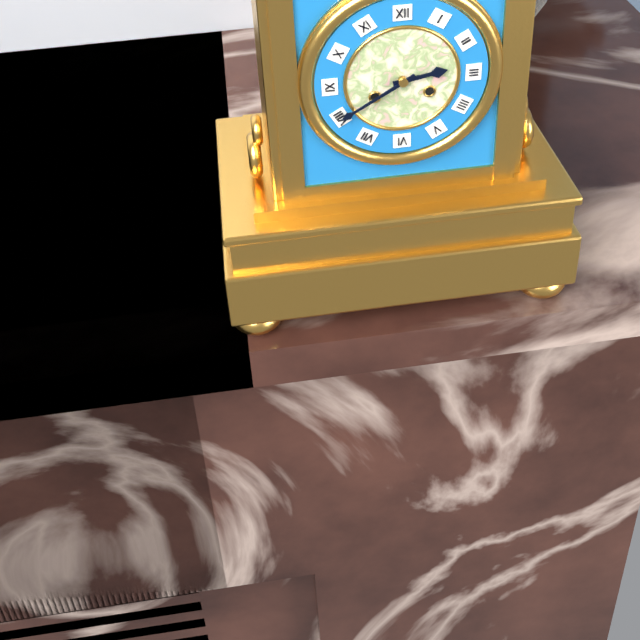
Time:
2:40
